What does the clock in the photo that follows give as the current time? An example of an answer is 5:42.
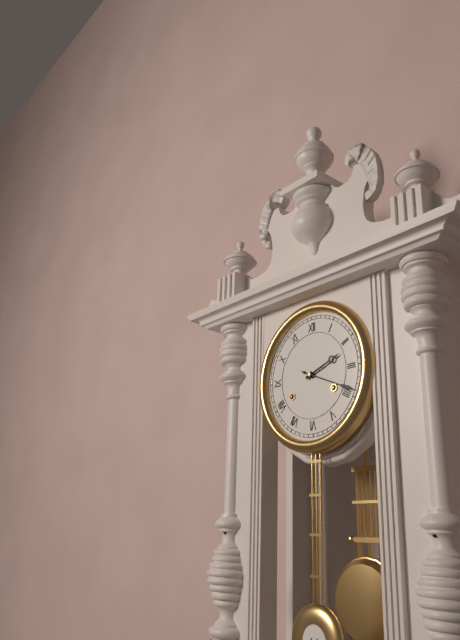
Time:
2:19
